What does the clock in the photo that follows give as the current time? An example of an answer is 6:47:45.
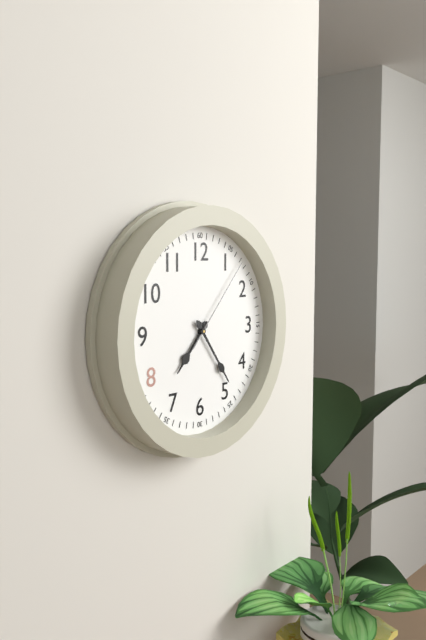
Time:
7:24:07
